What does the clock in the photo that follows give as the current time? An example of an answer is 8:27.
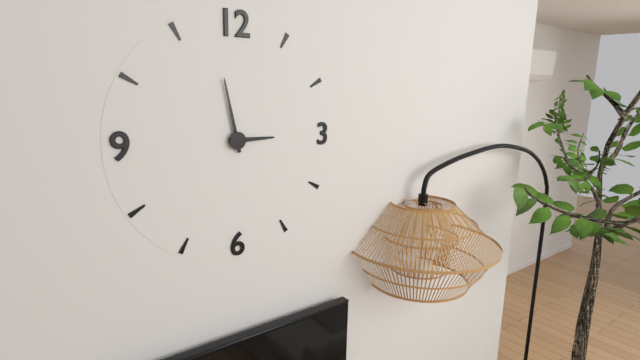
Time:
2:58
